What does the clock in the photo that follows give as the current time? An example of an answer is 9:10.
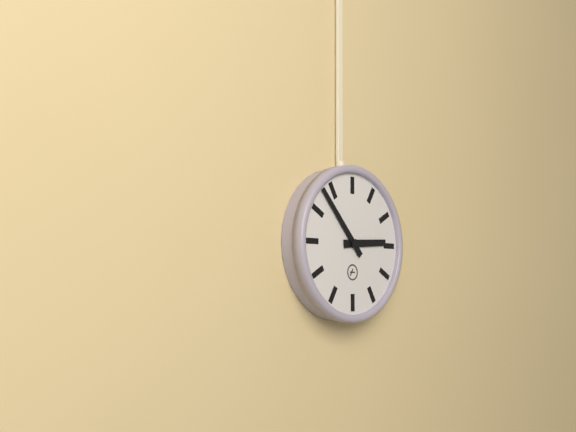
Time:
2:53
